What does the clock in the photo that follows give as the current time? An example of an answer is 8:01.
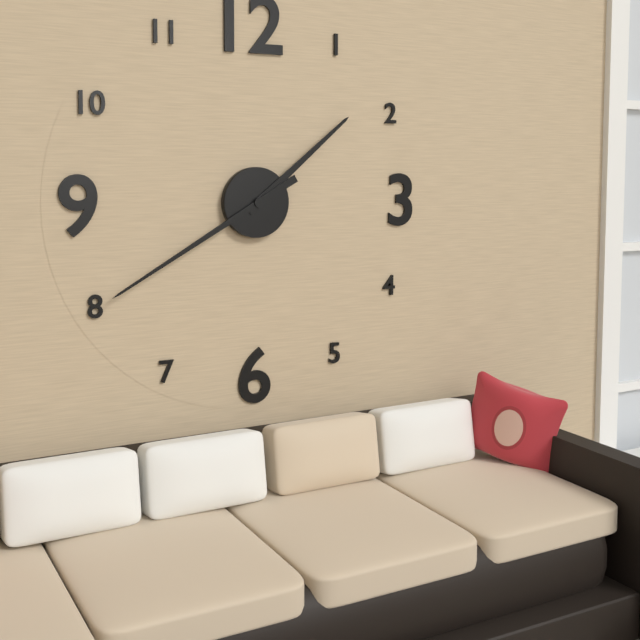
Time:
1:40
